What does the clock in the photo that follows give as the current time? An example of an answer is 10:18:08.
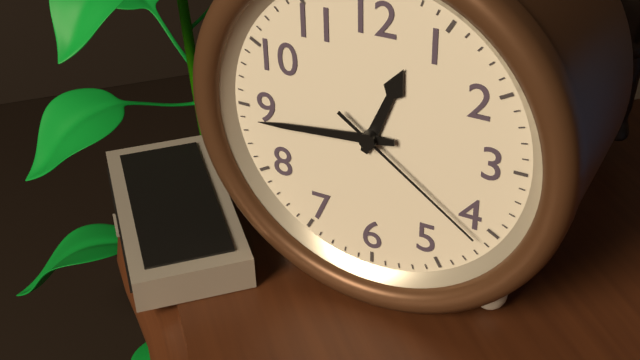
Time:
12:44:21
